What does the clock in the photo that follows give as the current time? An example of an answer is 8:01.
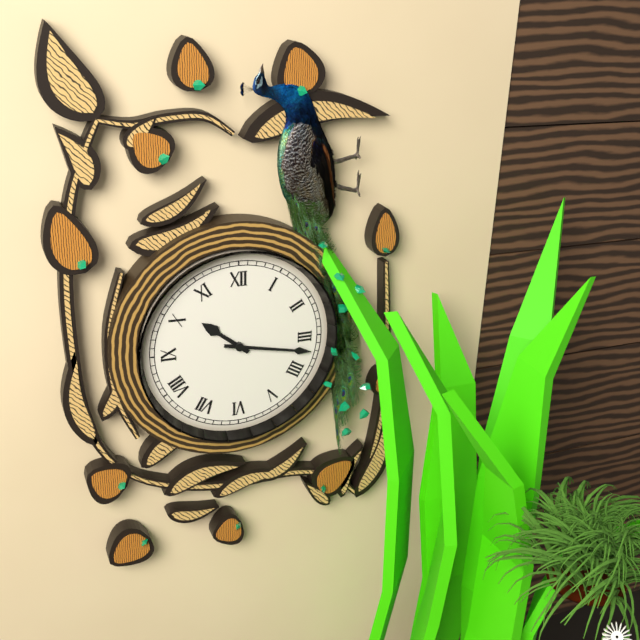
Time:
10:17
